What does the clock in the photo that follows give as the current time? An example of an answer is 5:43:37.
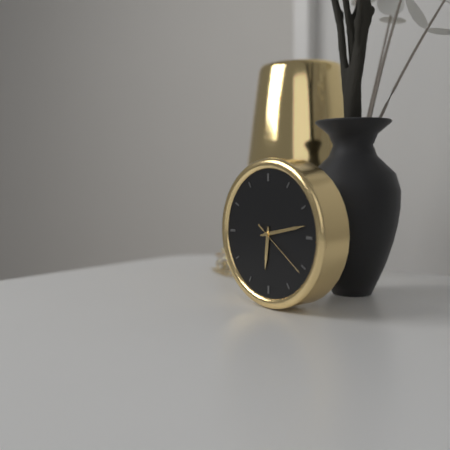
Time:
6:13:21
